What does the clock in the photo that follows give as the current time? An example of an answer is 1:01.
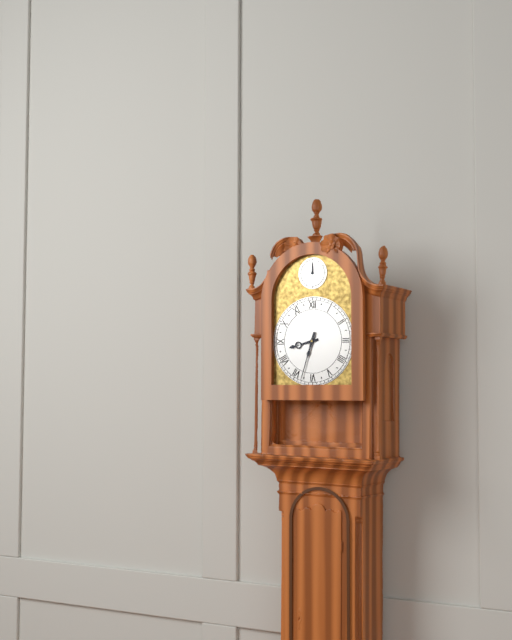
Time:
8:33
